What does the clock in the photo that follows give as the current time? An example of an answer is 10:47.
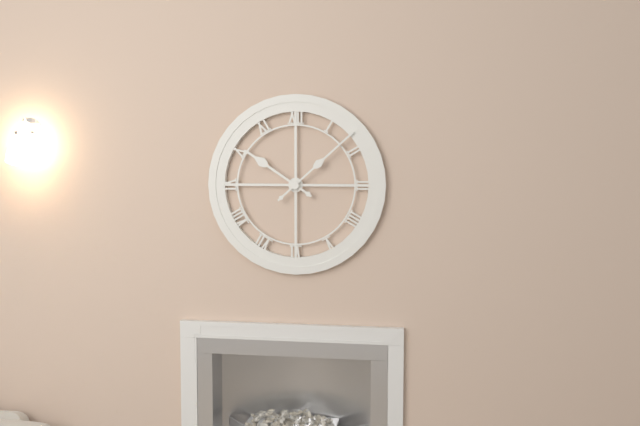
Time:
10:08
